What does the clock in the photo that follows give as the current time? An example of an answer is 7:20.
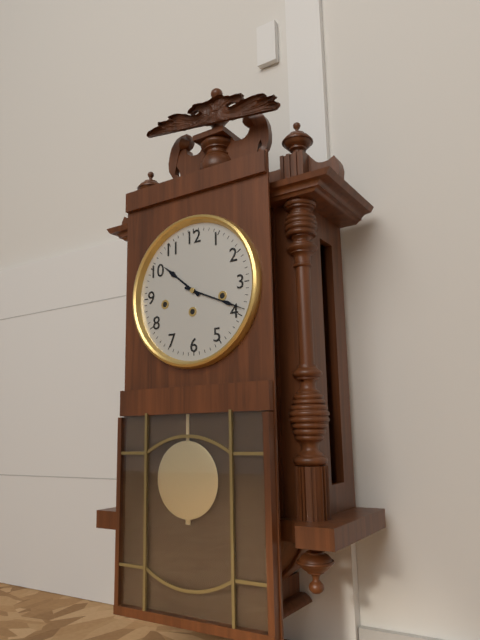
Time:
10:19
